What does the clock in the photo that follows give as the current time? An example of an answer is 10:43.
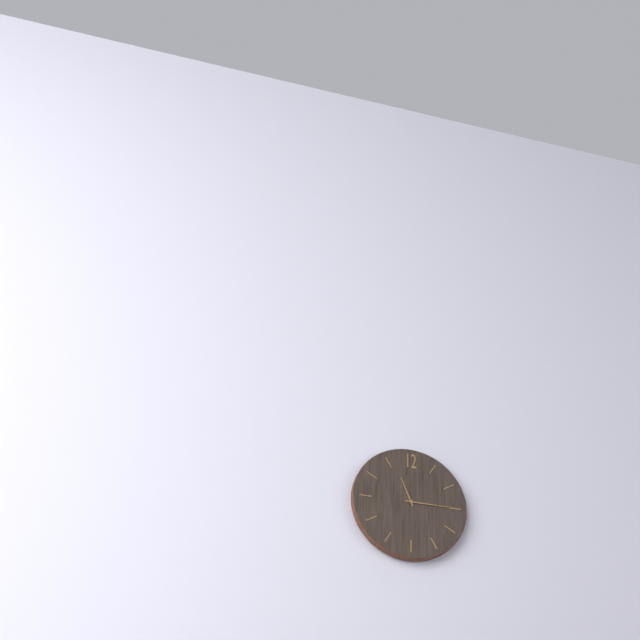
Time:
11:15
